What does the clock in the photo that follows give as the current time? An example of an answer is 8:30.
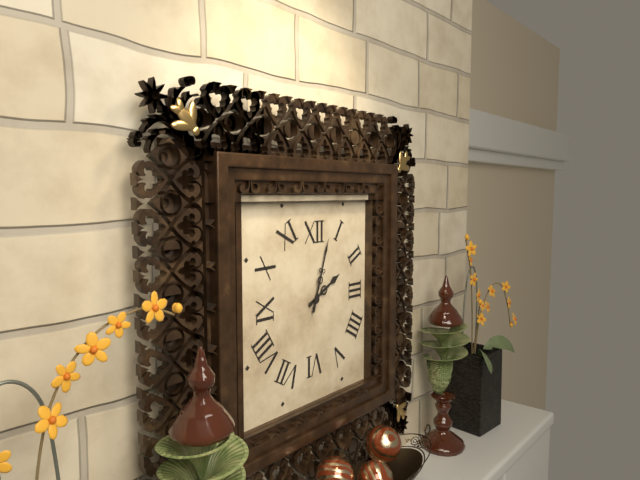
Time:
2:03
